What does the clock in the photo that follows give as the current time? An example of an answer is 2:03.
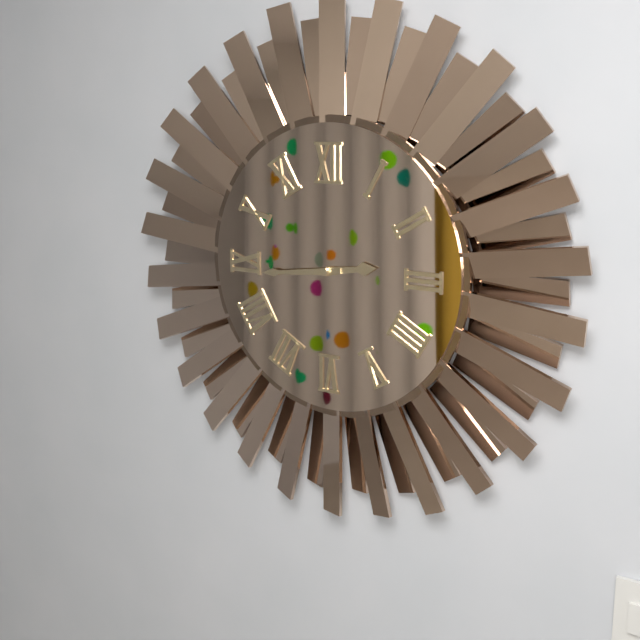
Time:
2:44
